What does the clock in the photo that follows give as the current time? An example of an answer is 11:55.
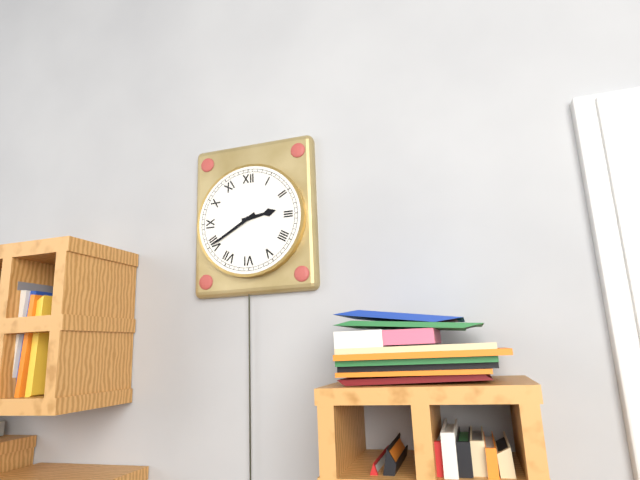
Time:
2:40
